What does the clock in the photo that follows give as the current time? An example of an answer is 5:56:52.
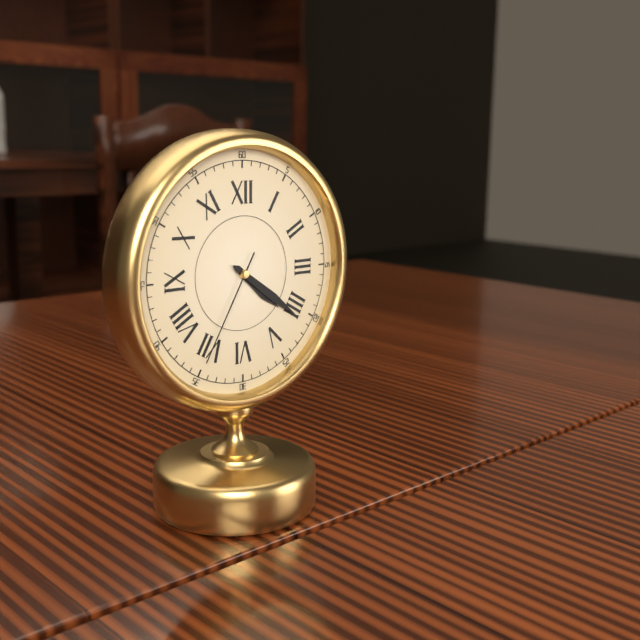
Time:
4:21:35
